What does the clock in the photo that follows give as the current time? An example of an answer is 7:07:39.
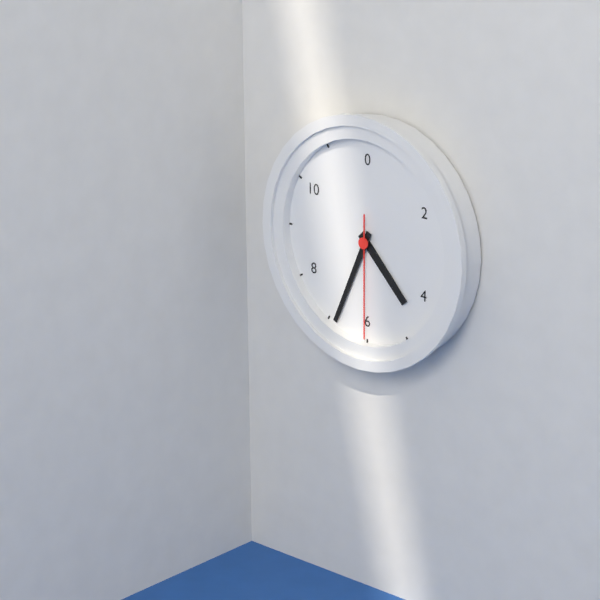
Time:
4:34:30
